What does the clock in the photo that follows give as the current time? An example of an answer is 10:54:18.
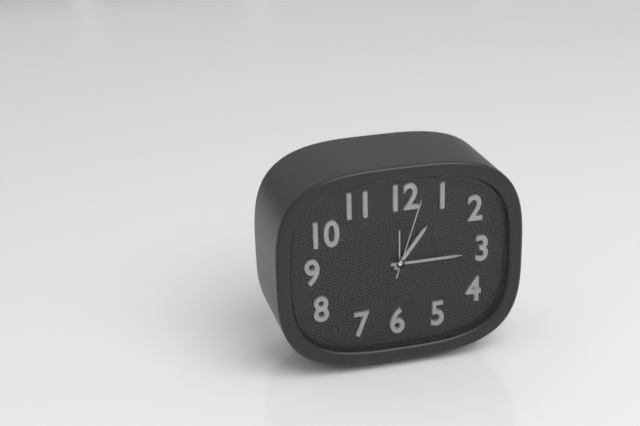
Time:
1:15:03
